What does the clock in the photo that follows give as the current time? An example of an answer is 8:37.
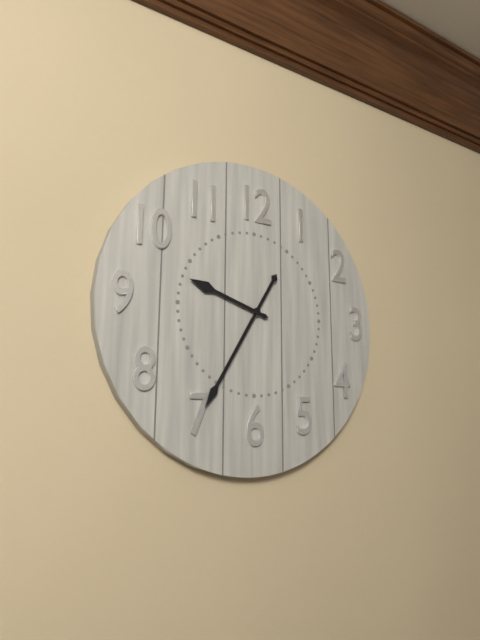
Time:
9:35
